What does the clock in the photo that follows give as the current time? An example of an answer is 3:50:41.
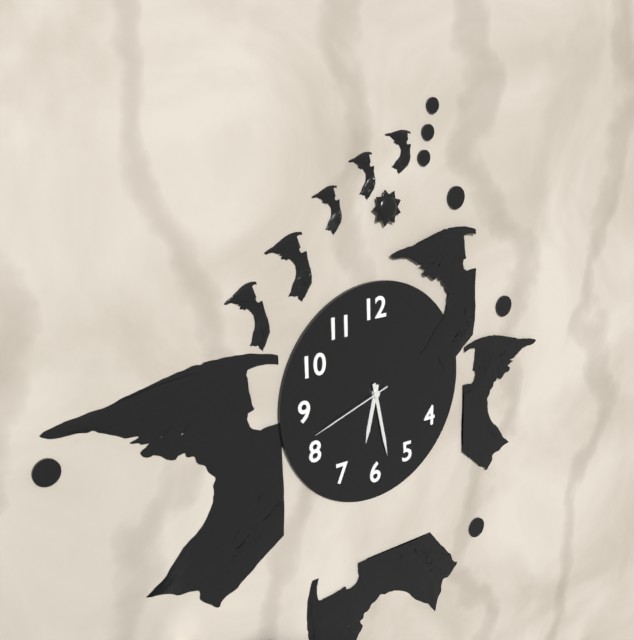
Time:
6:28:42
